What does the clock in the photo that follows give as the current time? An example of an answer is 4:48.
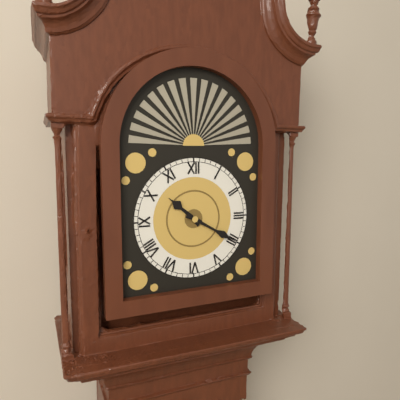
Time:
10:20
